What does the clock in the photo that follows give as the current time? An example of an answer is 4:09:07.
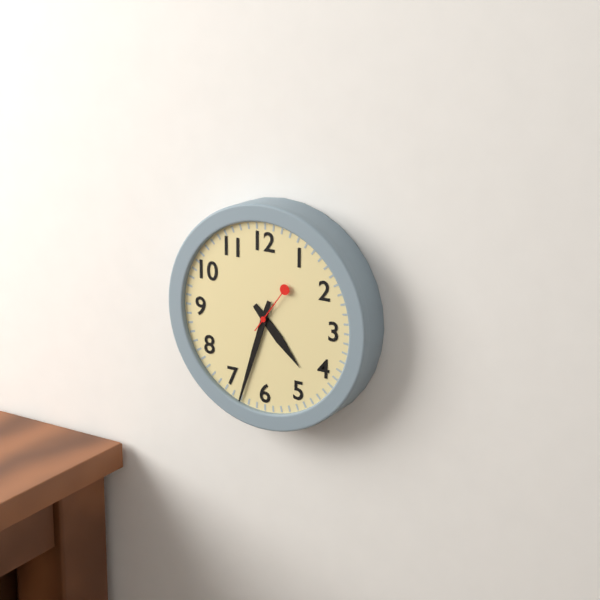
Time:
4:33:06
